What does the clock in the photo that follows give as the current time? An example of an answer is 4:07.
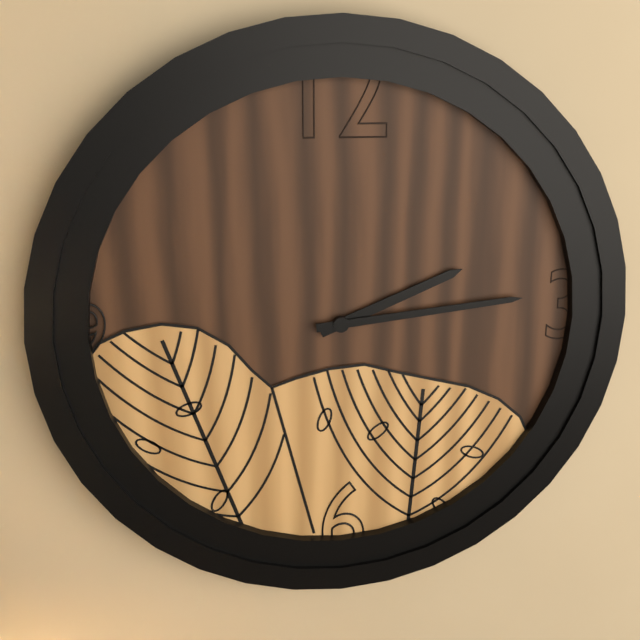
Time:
2:14
